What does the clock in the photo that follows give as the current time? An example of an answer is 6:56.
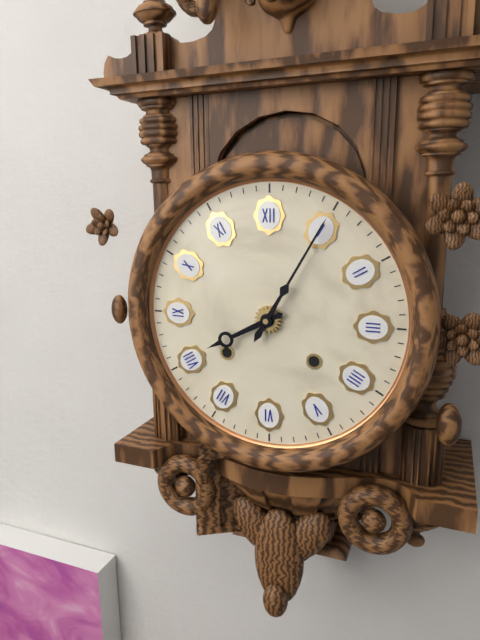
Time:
8:05
